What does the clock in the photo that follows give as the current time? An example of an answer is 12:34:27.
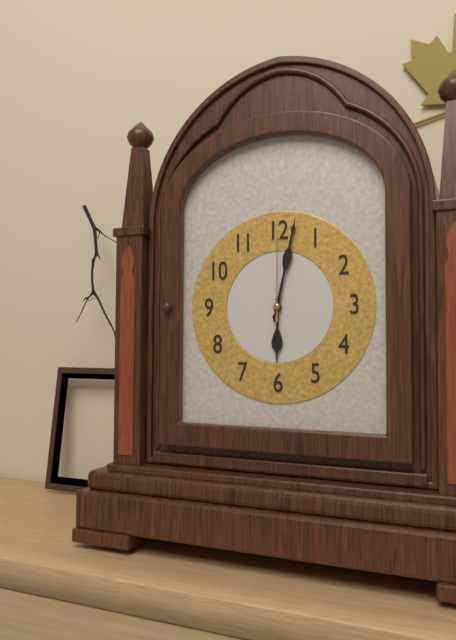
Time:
6:02:00
